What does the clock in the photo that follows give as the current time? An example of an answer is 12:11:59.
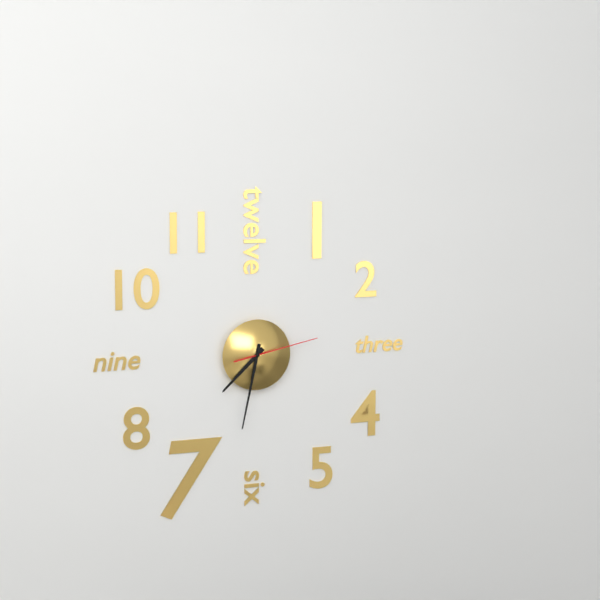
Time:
7:32:13
